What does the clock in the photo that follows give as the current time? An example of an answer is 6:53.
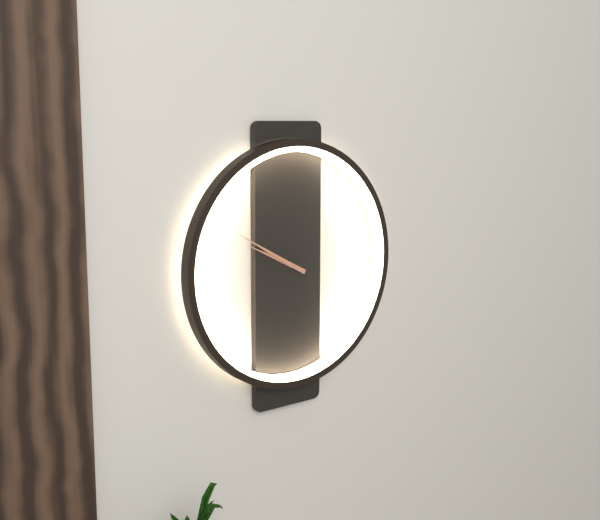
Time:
9:50
